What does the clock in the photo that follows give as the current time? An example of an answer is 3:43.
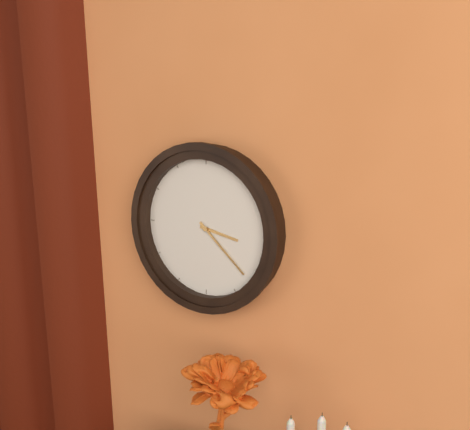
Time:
3:22
